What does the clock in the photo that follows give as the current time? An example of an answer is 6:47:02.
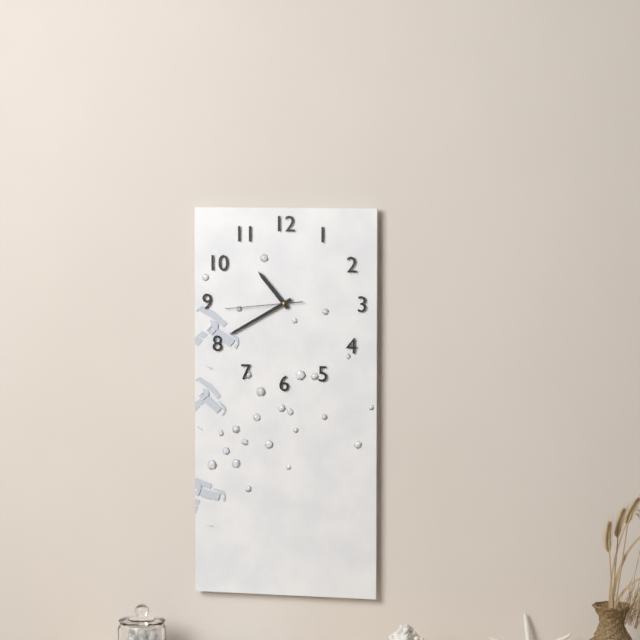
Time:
10:40:44
